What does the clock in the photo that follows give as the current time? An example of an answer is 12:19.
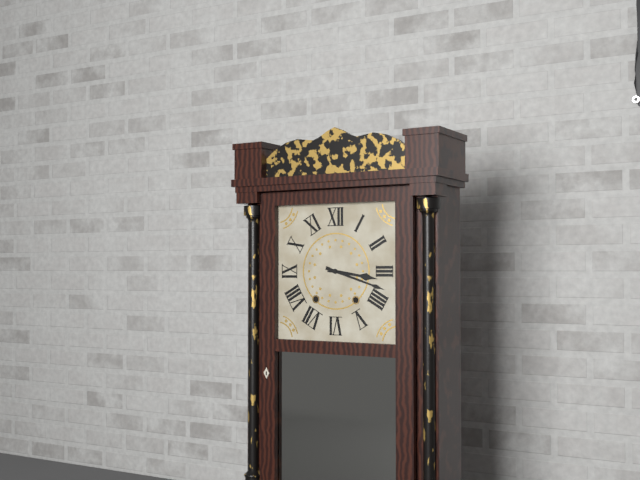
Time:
3:18
